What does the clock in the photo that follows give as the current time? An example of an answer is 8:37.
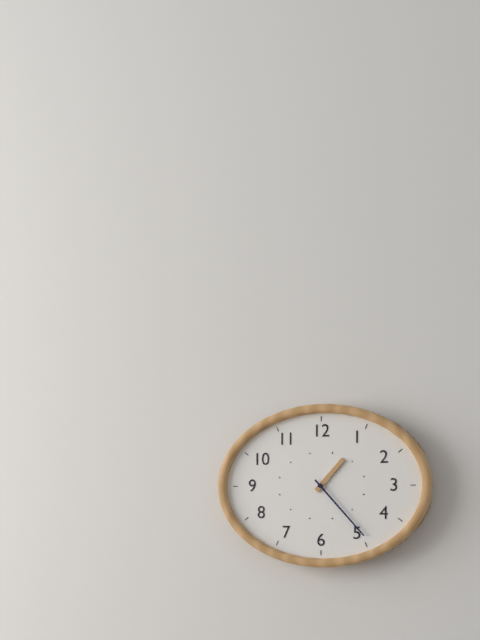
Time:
1:23
